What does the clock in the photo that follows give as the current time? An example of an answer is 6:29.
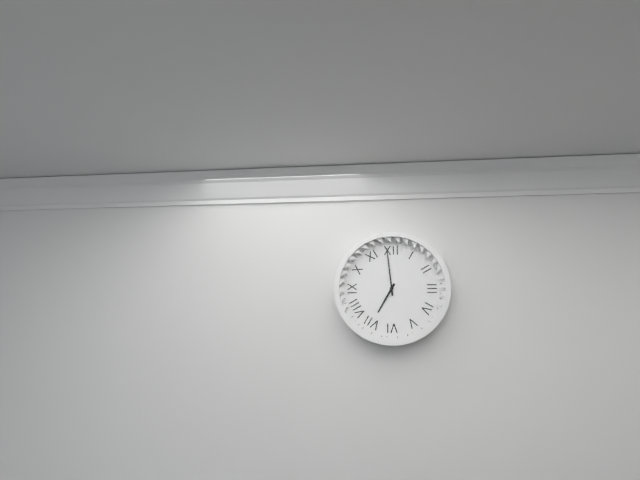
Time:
6:59
